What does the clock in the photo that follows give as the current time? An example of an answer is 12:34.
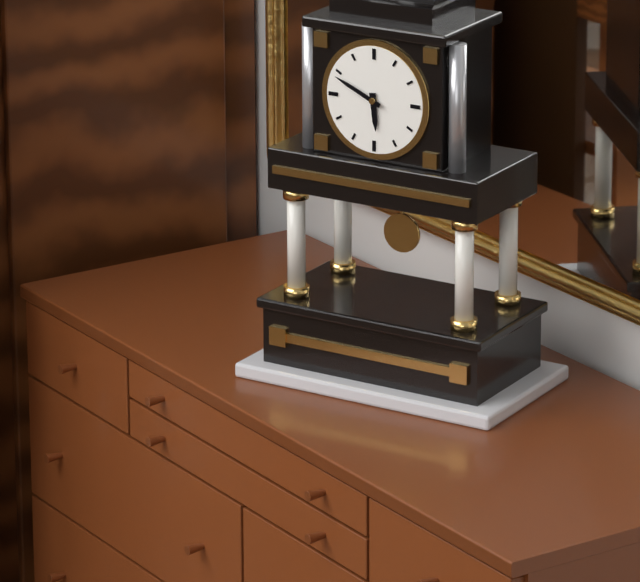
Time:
5:49
